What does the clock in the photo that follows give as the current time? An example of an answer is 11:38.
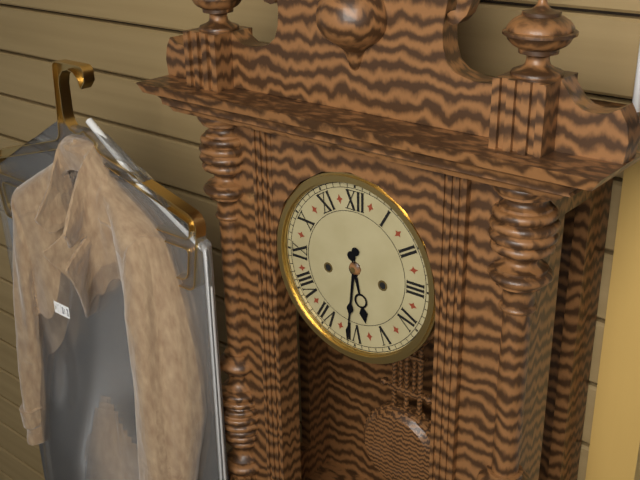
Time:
5:31
